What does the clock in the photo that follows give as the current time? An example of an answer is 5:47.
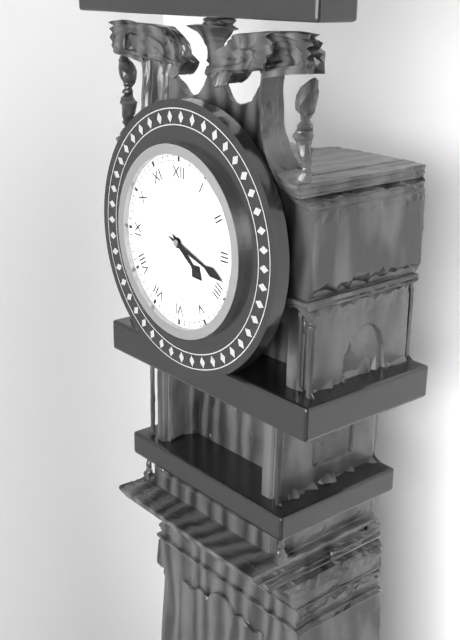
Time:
4:18
